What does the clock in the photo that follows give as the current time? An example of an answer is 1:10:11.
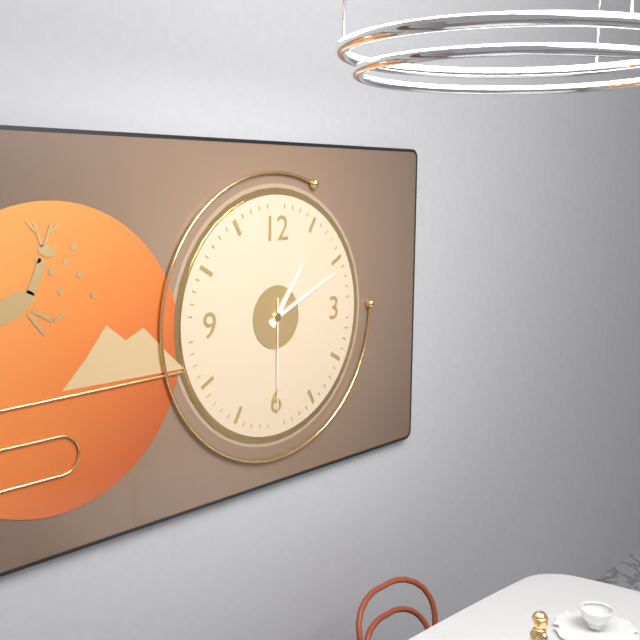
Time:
1:11:30
